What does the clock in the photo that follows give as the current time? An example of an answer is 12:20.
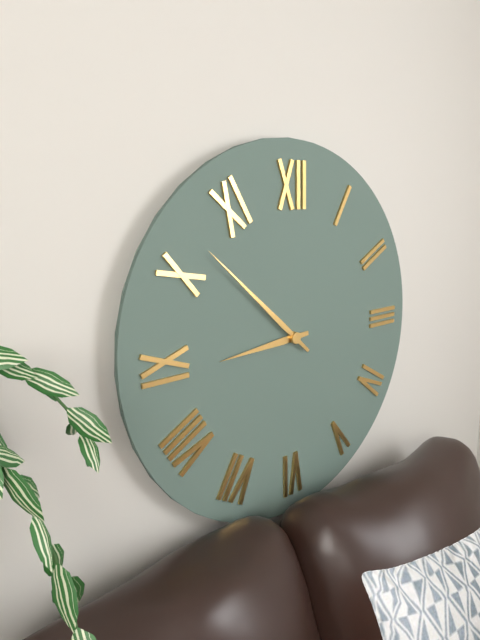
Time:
8:52
